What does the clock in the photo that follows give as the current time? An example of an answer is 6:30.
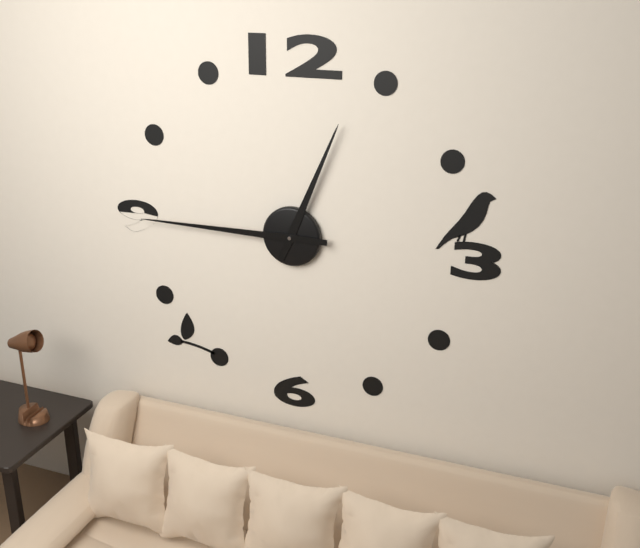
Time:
12:45
